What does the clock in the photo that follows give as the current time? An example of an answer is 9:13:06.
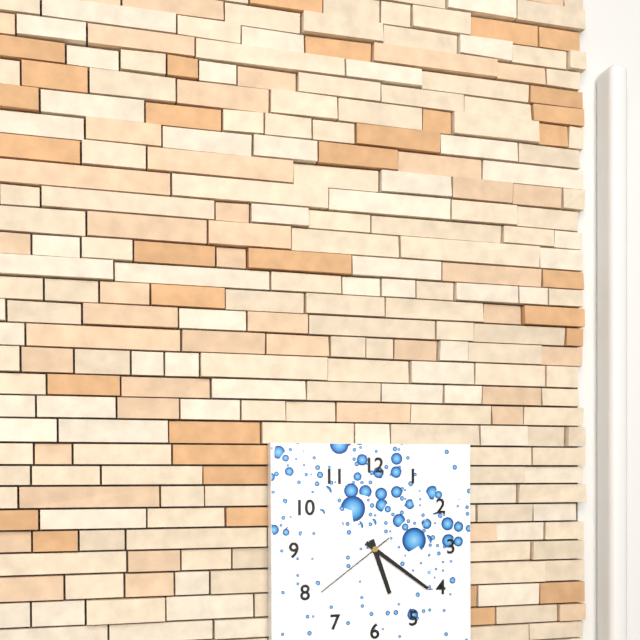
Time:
5:21:39
